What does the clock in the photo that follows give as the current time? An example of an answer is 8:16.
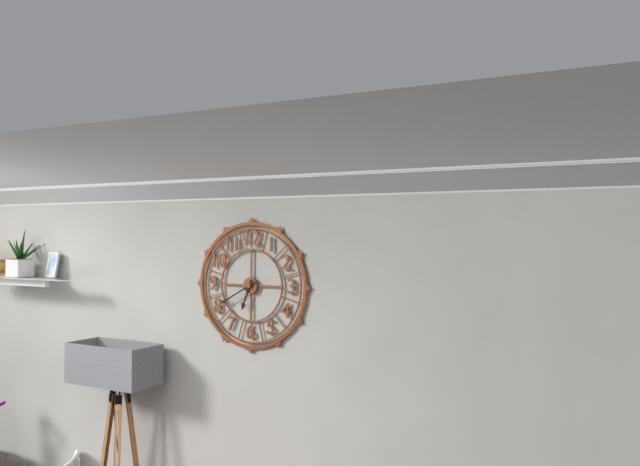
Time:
6:40
